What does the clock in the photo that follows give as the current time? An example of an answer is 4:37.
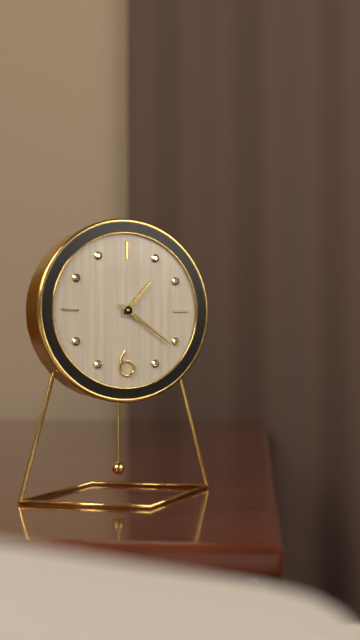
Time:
1:21
